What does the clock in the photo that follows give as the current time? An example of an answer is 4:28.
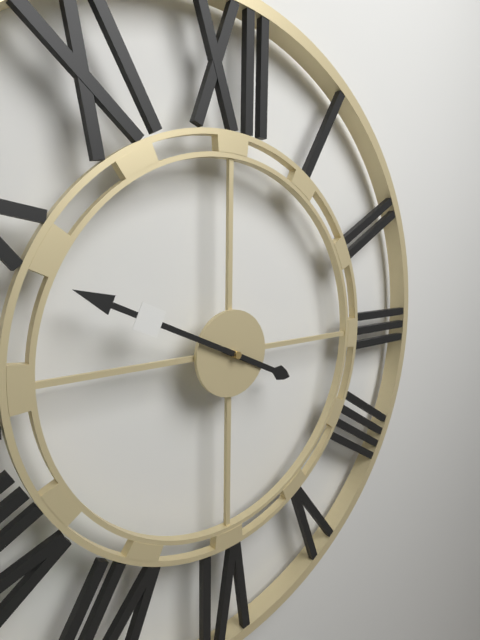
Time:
3:49
